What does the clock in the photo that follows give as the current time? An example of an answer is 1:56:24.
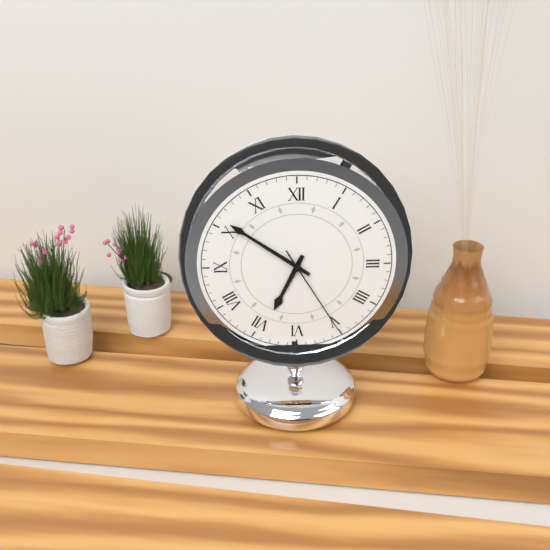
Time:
6:51:25
